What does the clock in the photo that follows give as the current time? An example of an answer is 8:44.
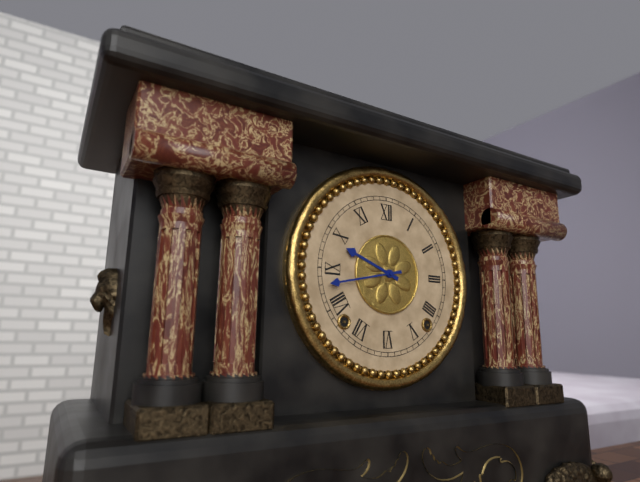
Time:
9:43
